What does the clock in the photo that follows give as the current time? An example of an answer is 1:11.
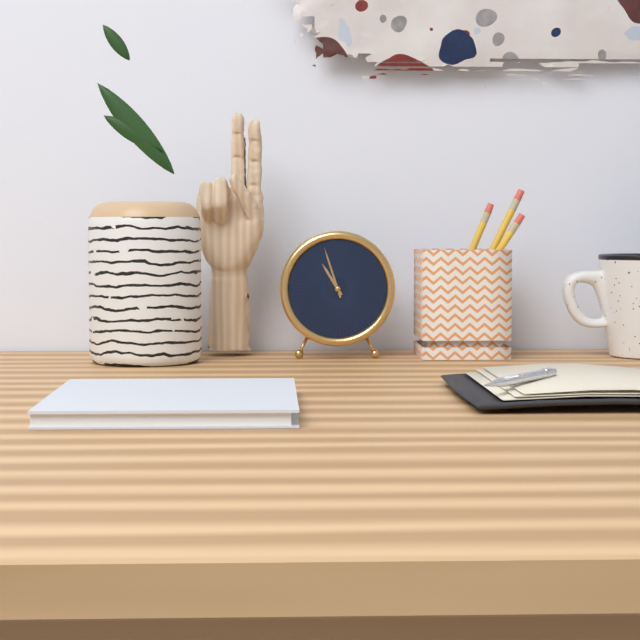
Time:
10:57
